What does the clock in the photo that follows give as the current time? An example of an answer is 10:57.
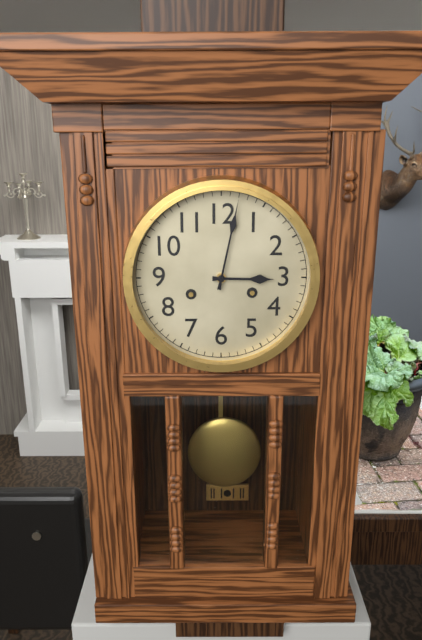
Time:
3:02
